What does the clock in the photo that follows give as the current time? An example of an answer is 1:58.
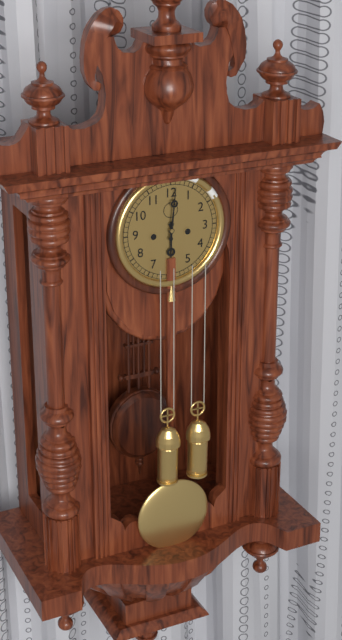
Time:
6:01
